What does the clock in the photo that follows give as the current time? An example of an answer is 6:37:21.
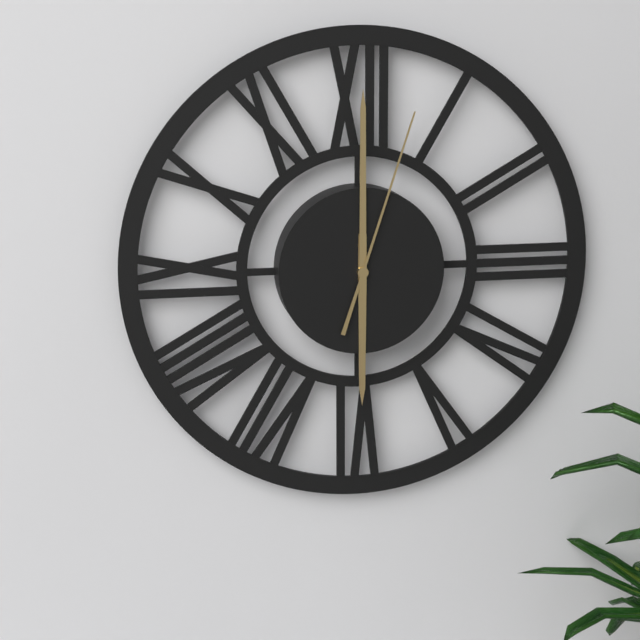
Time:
6:00:03
